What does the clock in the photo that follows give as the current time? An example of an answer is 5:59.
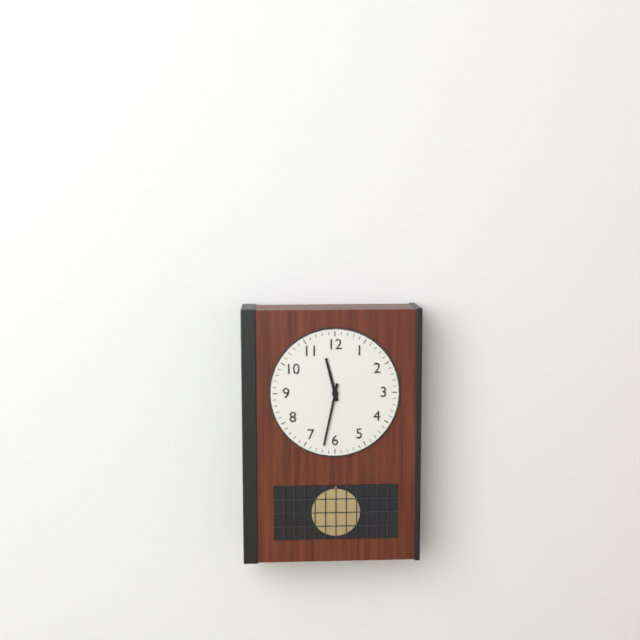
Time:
11:32
